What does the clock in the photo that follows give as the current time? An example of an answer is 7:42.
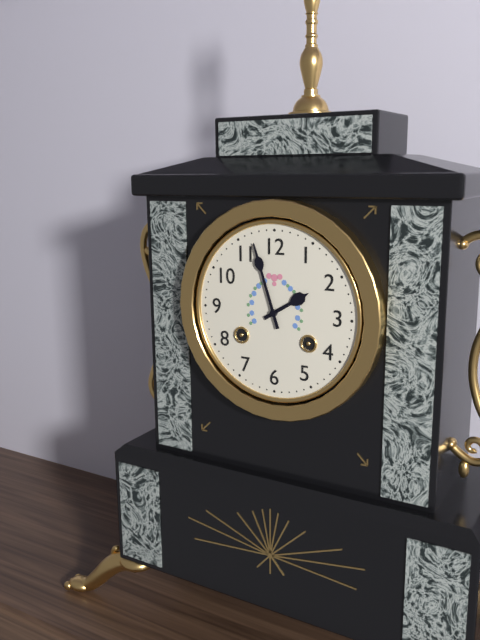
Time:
1:57
